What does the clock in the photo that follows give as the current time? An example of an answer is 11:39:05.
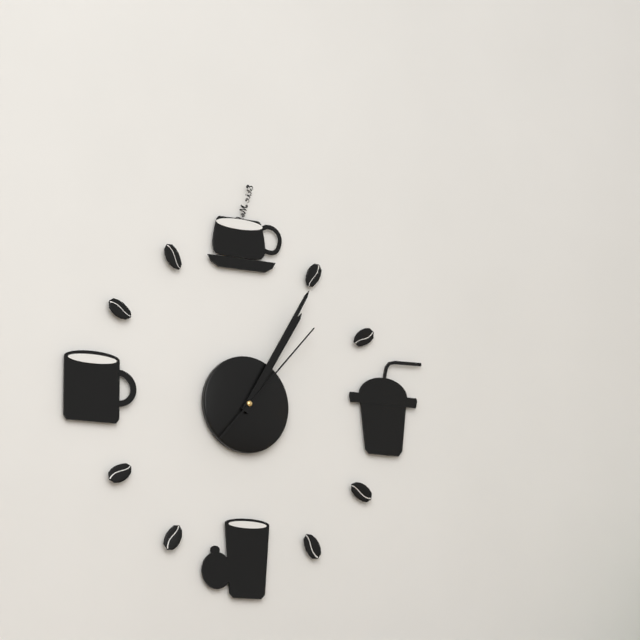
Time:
1:05:07
